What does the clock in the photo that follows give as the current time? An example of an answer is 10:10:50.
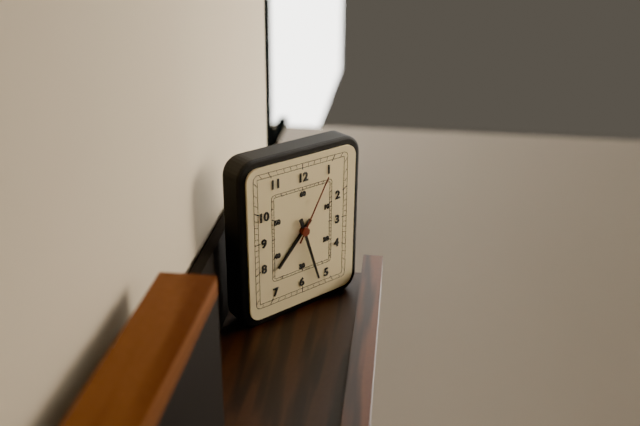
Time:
7:27:05
